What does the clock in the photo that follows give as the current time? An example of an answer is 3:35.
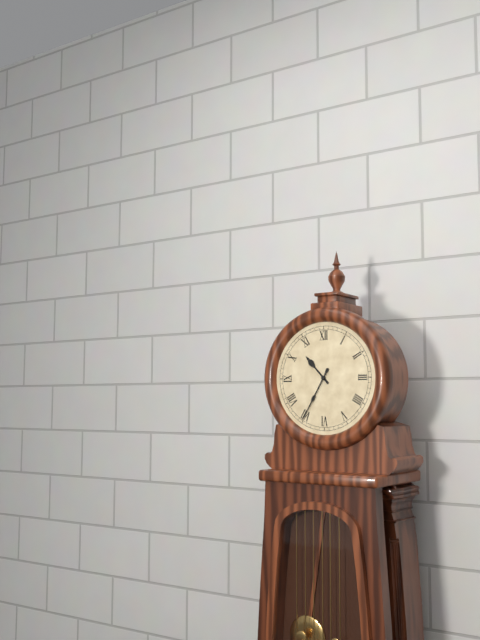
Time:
10:35
